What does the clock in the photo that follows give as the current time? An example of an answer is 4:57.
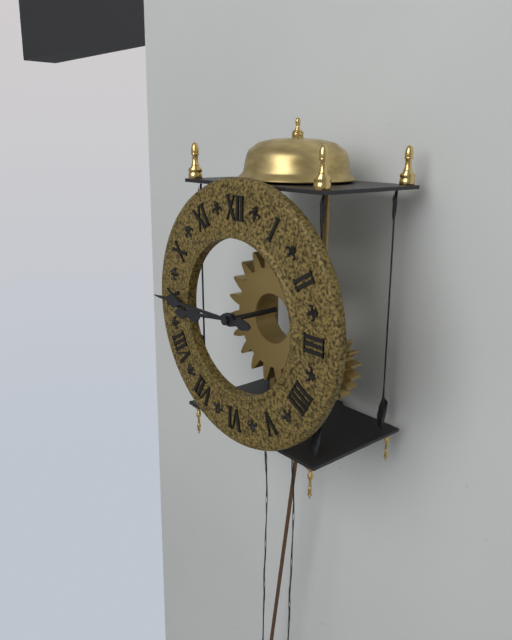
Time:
8:45
